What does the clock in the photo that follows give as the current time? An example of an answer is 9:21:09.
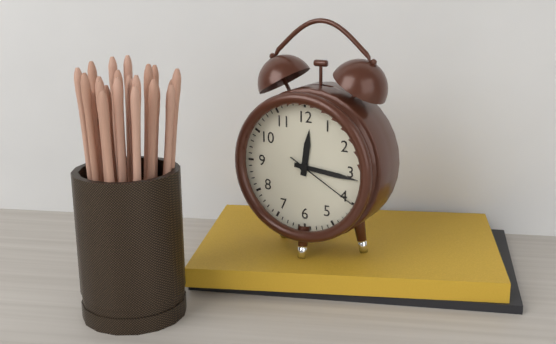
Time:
12:16:20
